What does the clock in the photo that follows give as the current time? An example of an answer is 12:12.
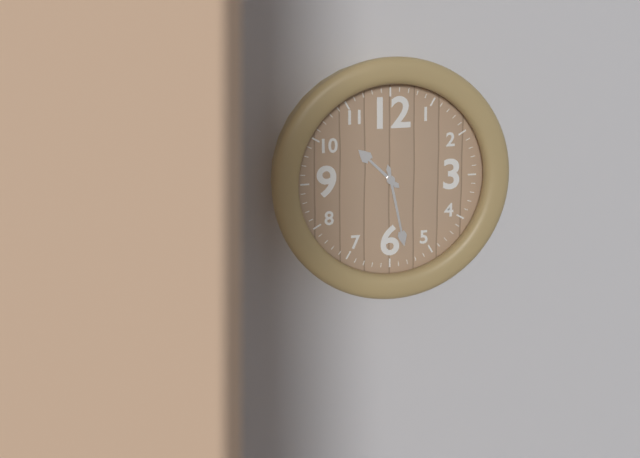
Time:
10:28
